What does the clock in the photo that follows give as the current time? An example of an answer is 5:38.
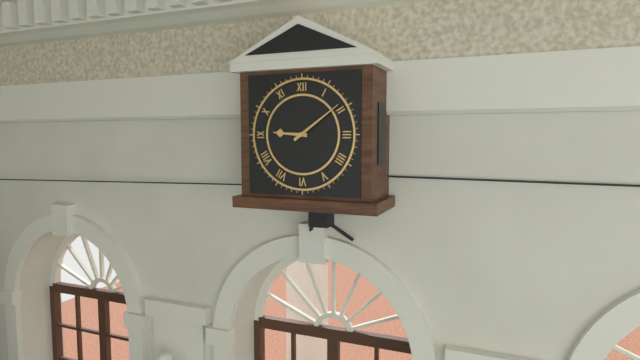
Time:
9:09
